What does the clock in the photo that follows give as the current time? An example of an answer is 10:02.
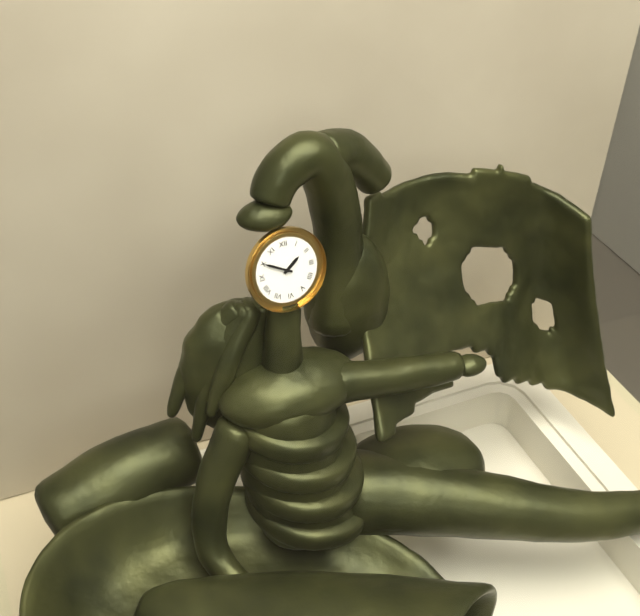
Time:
1:50
